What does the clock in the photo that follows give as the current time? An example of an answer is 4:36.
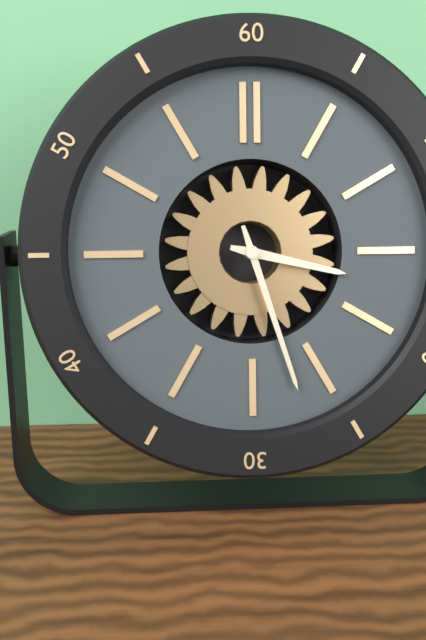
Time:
3:27
